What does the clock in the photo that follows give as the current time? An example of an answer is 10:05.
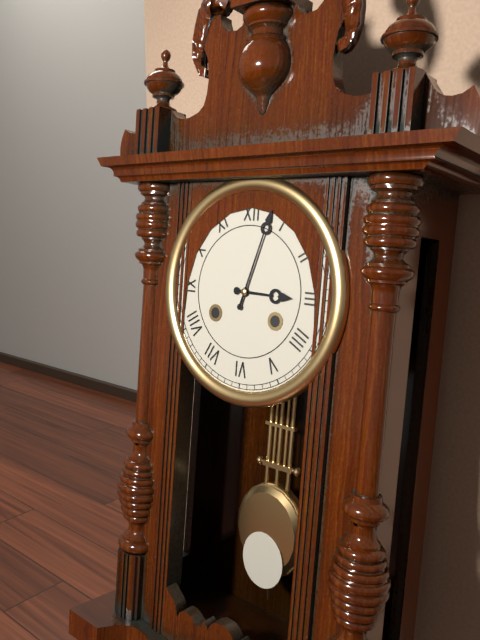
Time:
3:03
